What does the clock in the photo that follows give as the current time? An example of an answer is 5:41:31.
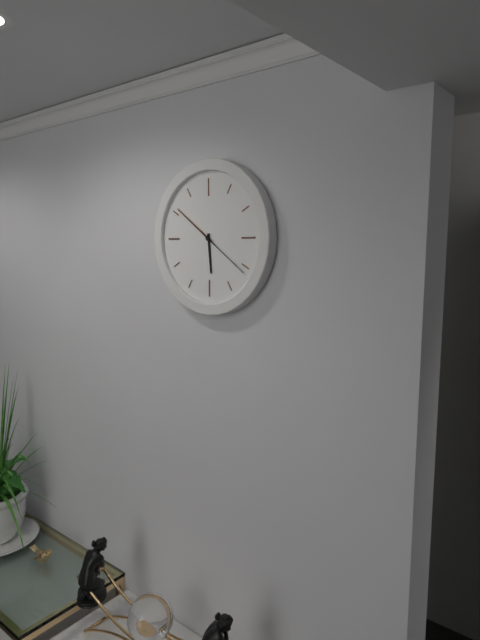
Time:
5:51:21
